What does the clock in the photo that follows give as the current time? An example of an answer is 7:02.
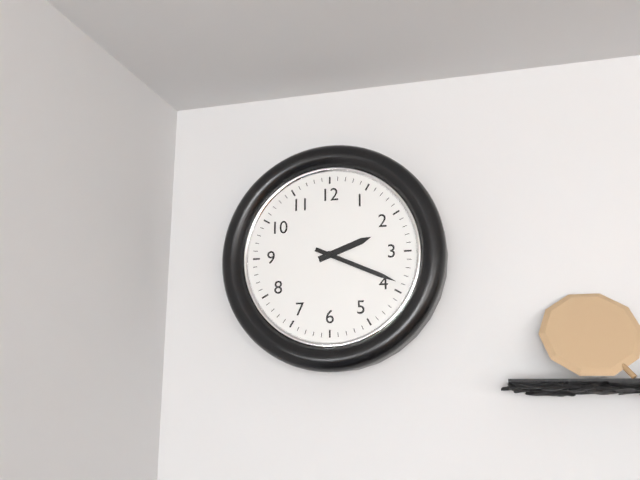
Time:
2:19
